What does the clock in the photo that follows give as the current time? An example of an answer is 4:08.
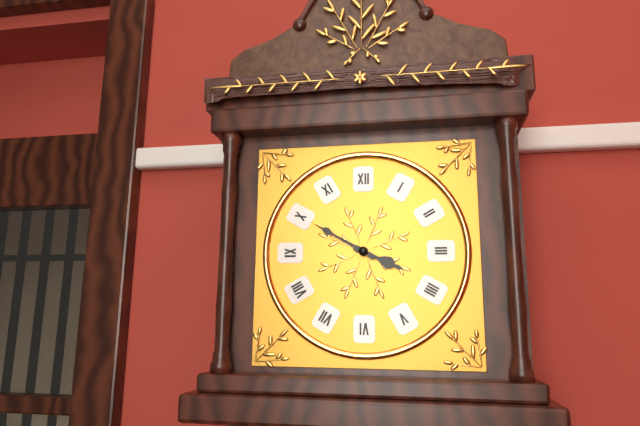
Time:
3:50
